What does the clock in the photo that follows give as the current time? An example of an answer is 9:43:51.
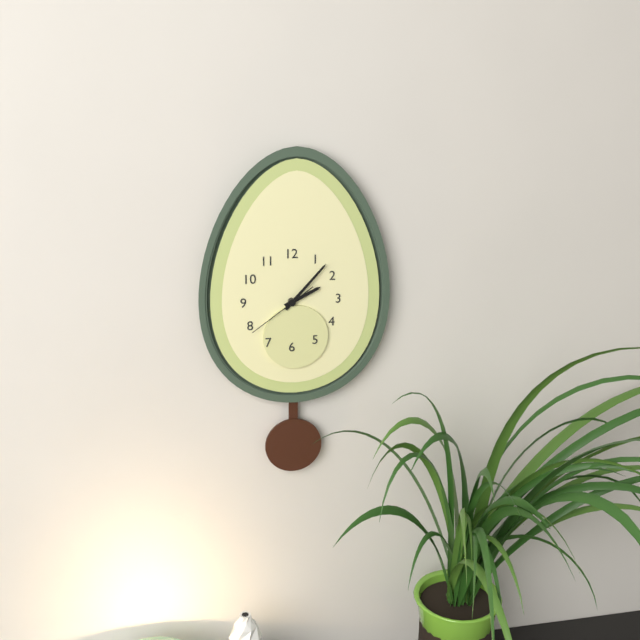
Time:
2:07:39
